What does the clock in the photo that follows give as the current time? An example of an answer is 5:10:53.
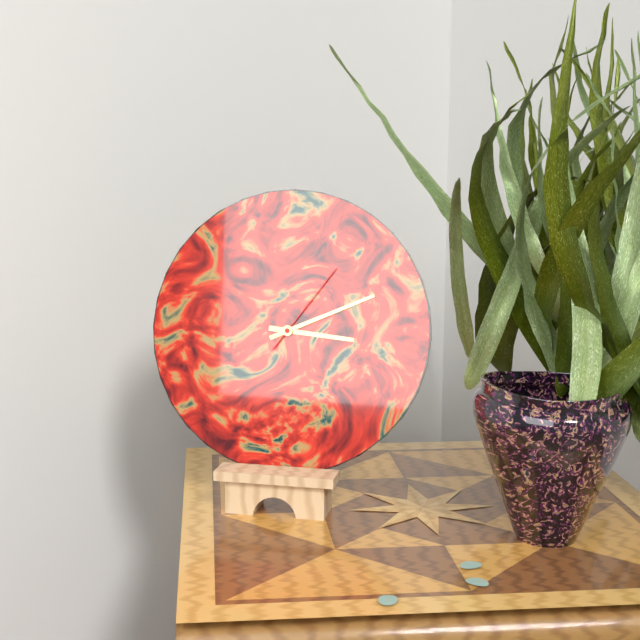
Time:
3:11:06
